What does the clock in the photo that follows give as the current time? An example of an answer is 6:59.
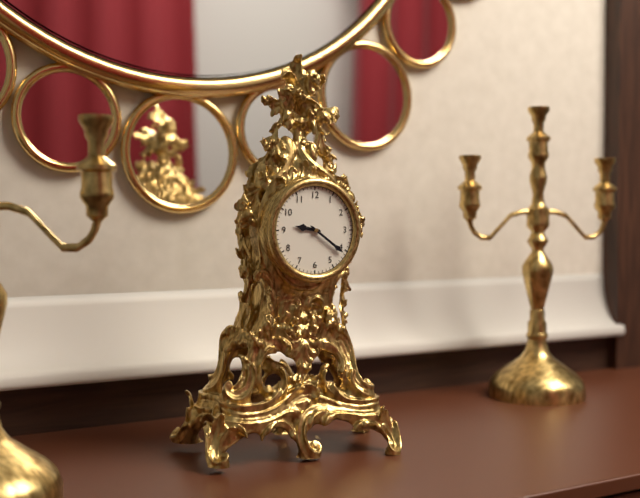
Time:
9:21
